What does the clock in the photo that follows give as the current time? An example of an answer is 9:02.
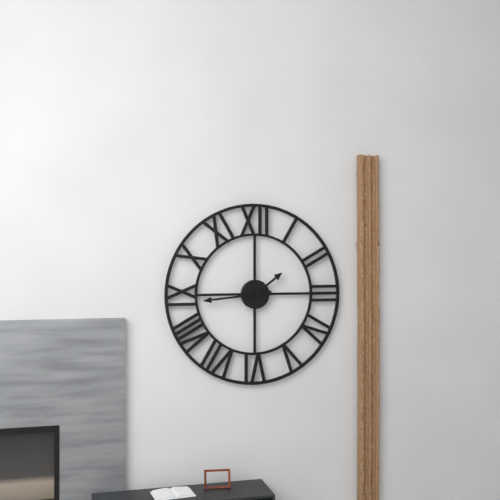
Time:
1:44
